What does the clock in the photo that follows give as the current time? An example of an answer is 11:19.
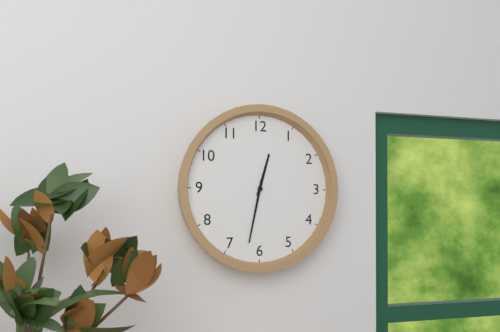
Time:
12:32
